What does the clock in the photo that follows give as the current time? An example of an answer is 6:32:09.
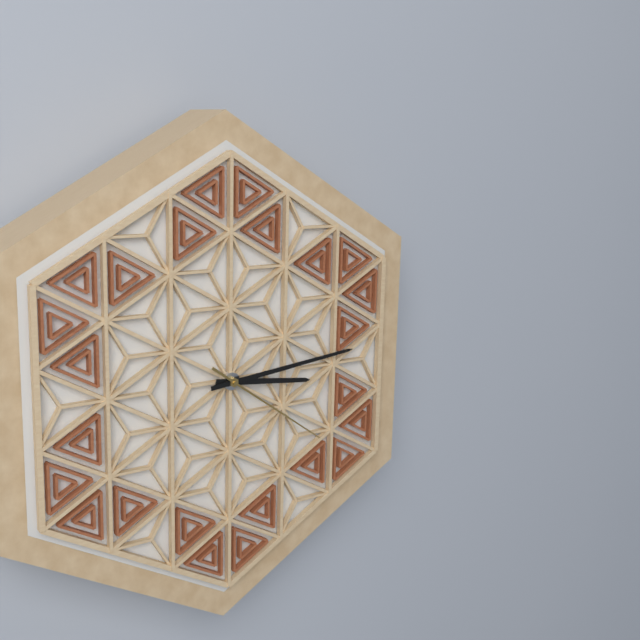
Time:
3:14:21
